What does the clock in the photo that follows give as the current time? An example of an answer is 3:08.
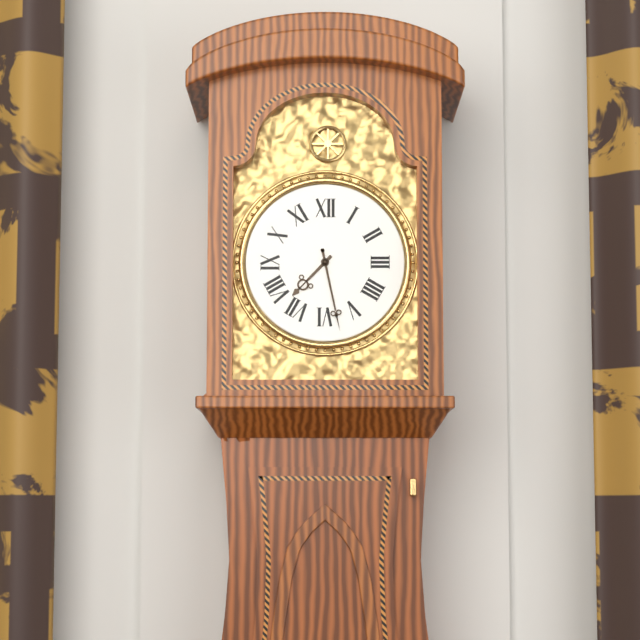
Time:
7:28
